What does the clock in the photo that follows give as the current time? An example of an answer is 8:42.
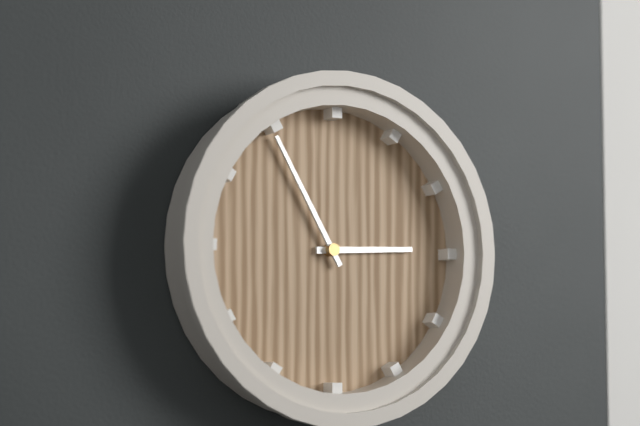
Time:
2:55
